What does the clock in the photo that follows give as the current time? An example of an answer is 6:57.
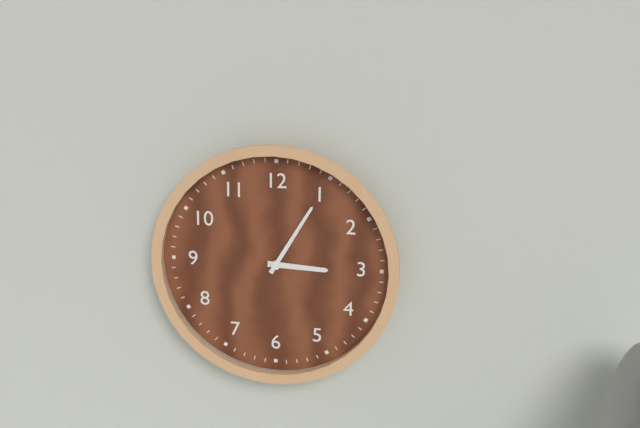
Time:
3:05
